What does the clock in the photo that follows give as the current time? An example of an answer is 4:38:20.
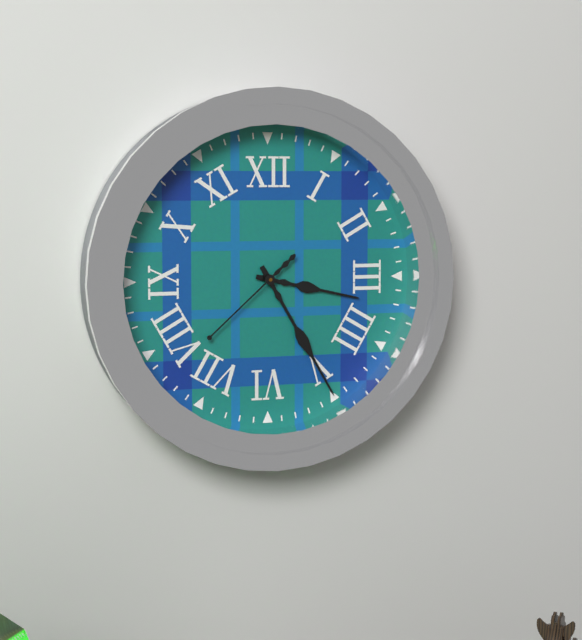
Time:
3:25:38
